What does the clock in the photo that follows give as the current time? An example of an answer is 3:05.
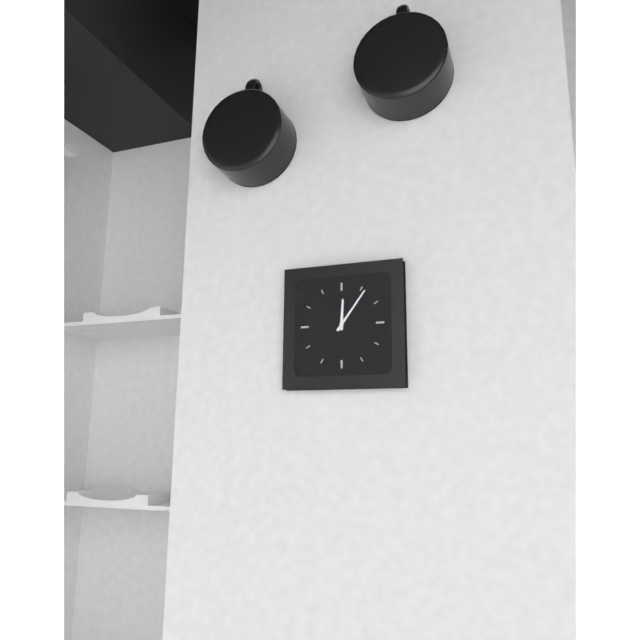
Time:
12:06
